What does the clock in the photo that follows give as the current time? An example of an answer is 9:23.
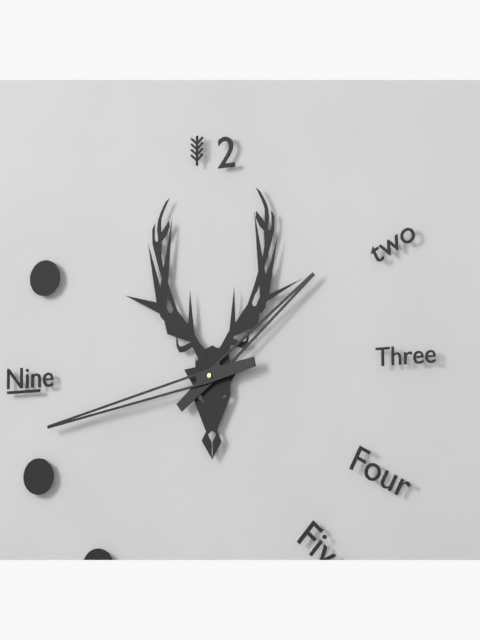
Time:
1:43
